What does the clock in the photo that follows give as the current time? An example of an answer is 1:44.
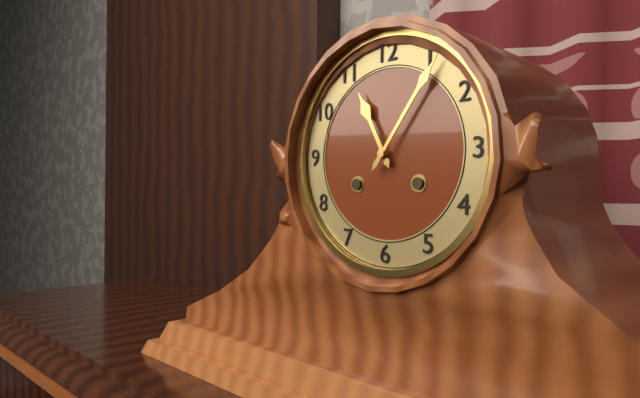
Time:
11:06
